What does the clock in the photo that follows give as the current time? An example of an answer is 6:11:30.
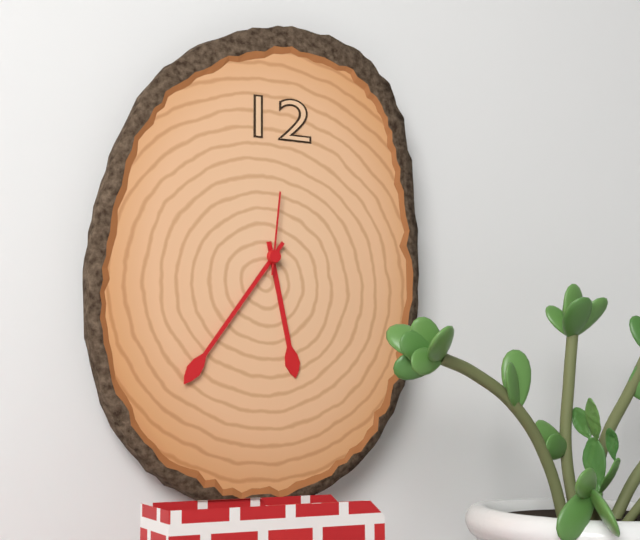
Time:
5:36:01
